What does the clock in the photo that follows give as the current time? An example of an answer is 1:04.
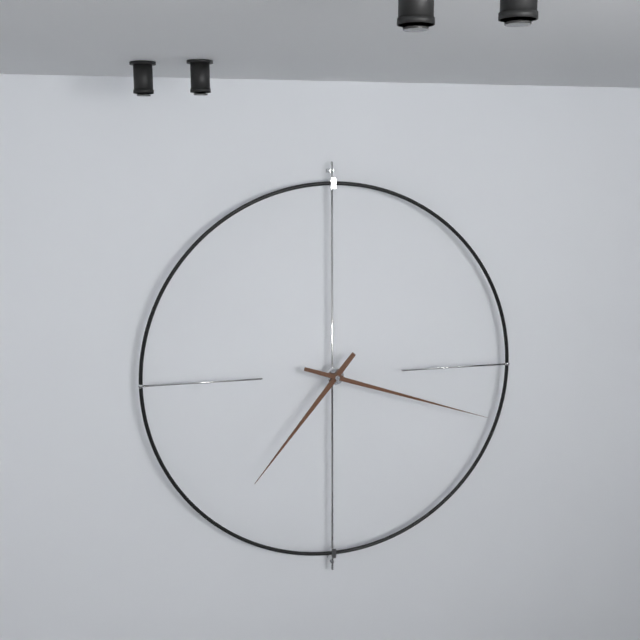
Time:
7:18
